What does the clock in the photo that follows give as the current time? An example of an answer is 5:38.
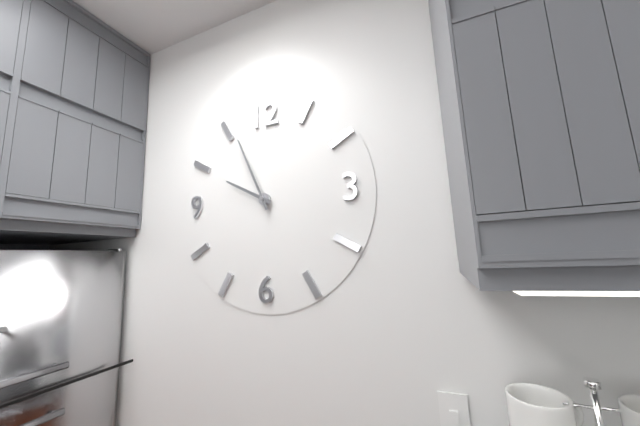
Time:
9:56
